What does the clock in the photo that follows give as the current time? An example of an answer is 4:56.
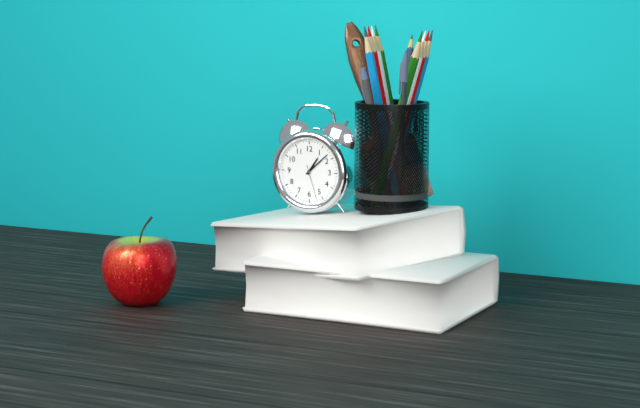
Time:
1:08
